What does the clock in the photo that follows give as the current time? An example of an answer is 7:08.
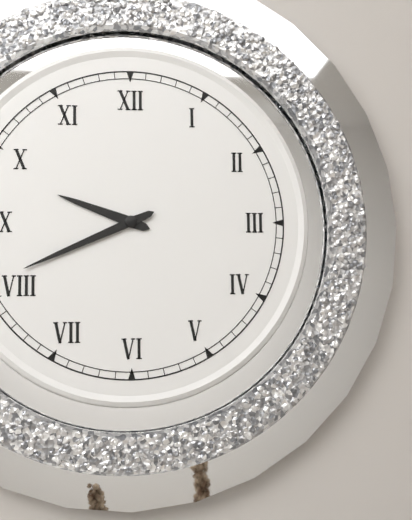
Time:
9:41
